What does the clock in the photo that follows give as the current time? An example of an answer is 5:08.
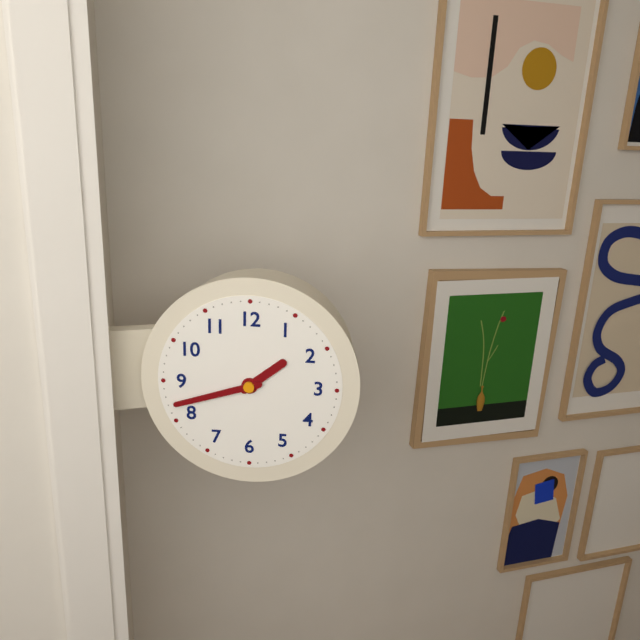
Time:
1:42
